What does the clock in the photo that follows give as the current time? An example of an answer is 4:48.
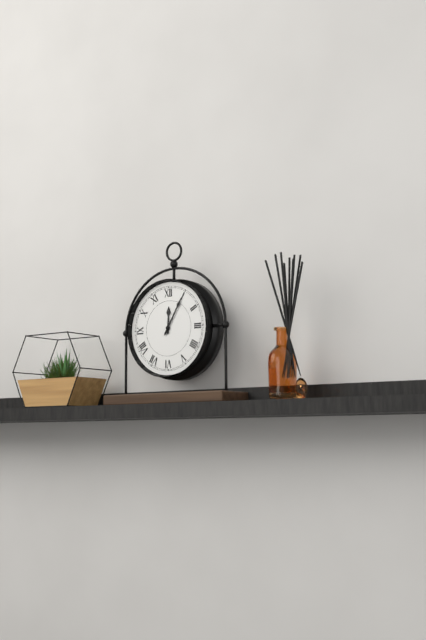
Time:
12:05
